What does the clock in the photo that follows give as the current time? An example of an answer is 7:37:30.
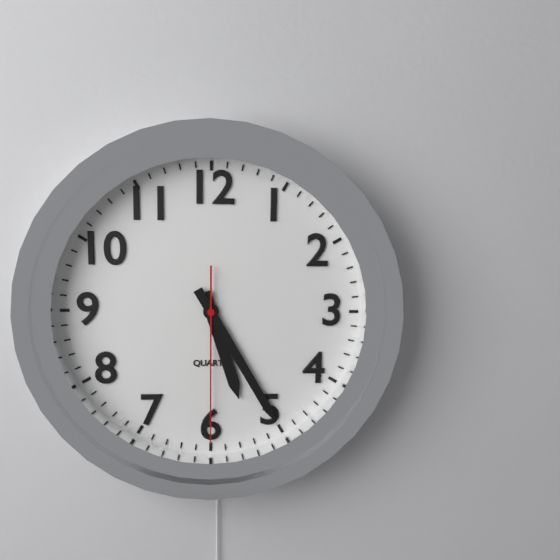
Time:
5:25:30
